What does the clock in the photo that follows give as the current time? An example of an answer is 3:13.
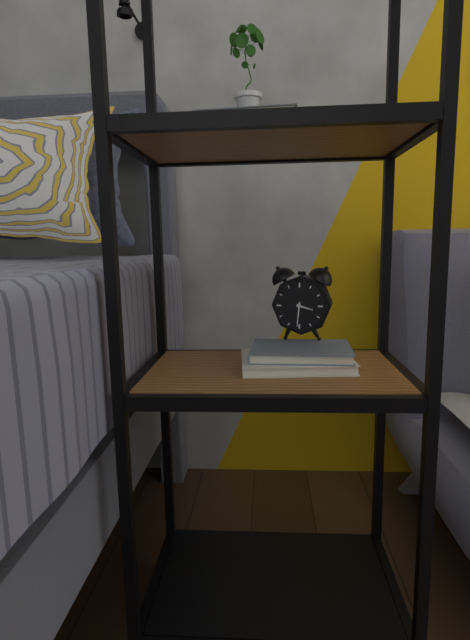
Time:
3:31
